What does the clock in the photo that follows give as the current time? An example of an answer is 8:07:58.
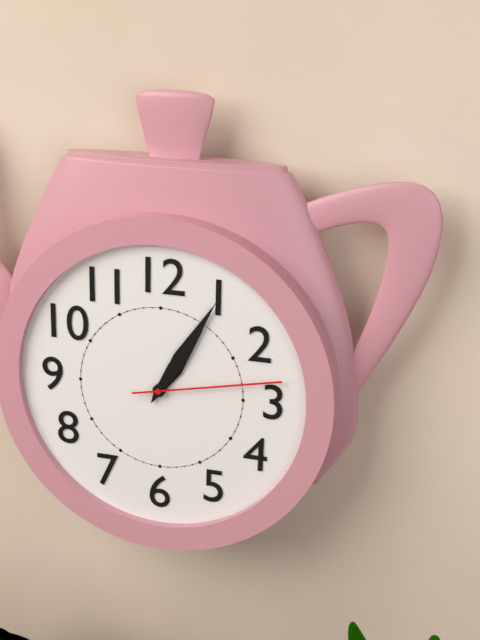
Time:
1:05:13
